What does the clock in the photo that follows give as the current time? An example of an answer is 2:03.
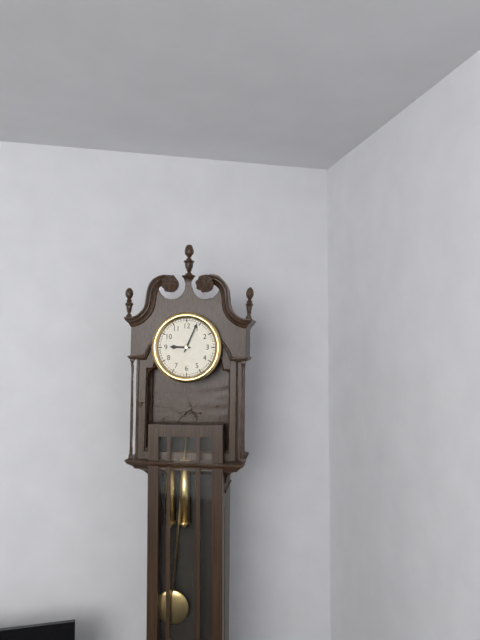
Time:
9:04
